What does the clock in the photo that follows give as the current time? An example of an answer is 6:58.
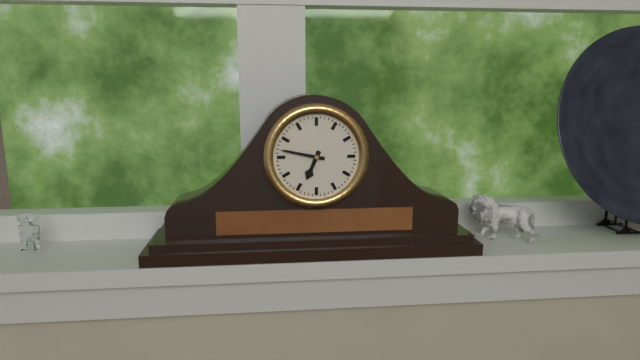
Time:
6:47
